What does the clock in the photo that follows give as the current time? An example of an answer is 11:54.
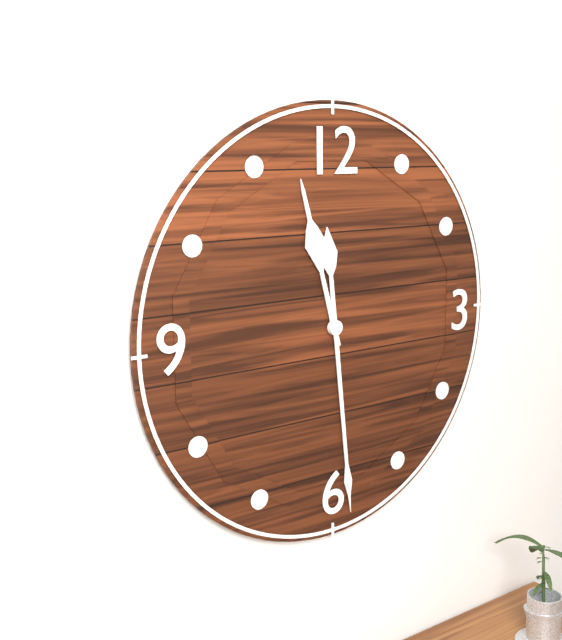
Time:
11:29
